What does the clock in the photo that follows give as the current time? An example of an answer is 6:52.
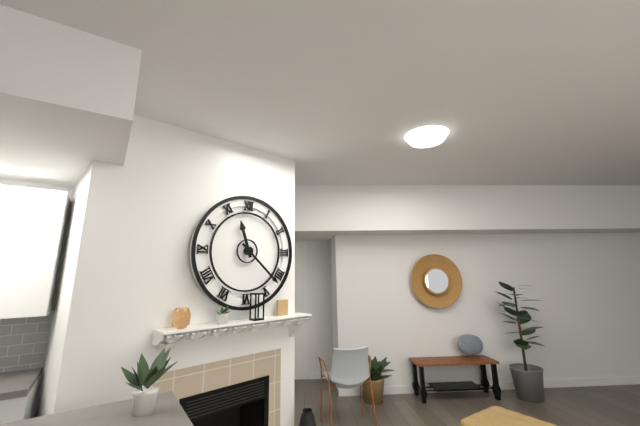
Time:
11:22
